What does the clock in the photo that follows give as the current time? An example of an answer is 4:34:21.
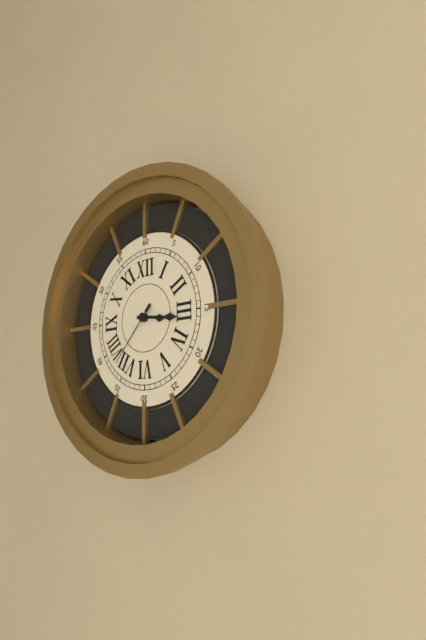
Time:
3:16:37
